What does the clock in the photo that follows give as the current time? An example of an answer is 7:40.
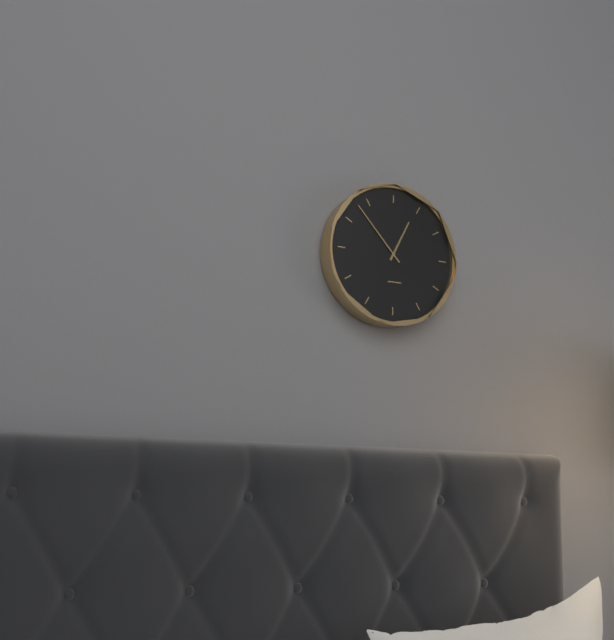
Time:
12:53
